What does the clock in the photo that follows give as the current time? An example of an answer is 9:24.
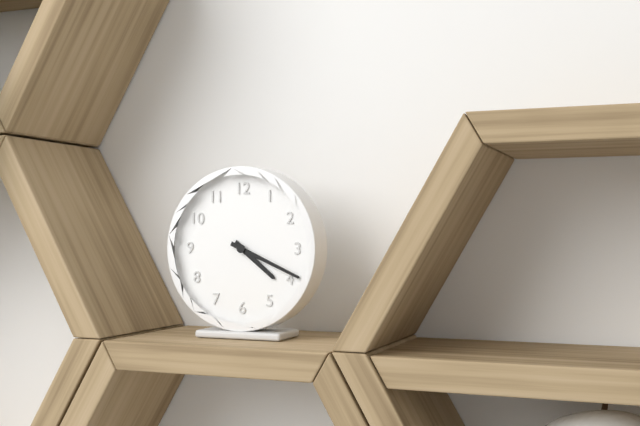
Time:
4:19
